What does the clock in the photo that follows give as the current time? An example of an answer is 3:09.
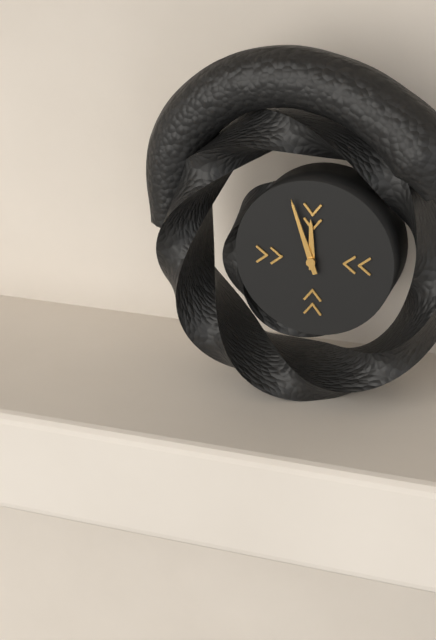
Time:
11:57
